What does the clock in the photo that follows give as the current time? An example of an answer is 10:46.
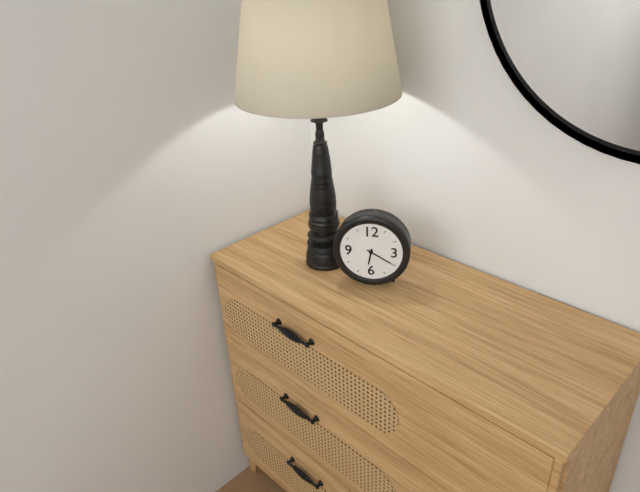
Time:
6:20
